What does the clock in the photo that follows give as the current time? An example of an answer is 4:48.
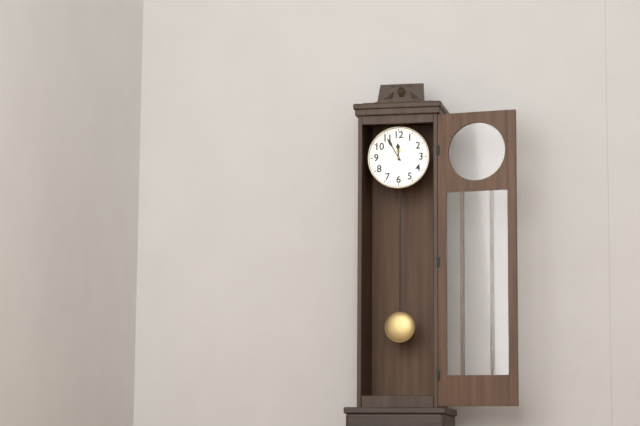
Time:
11:55
